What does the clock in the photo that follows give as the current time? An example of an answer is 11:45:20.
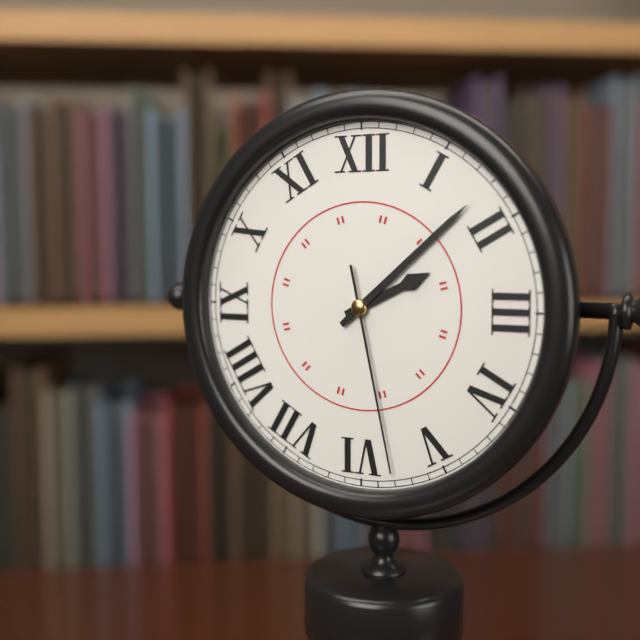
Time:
2:08:28
